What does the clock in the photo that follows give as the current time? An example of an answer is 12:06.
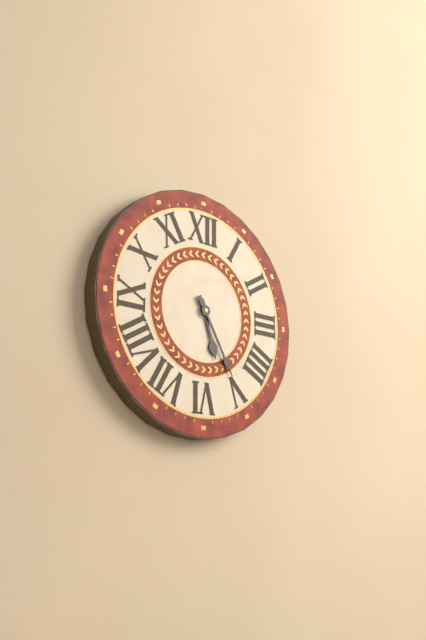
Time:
5:25
